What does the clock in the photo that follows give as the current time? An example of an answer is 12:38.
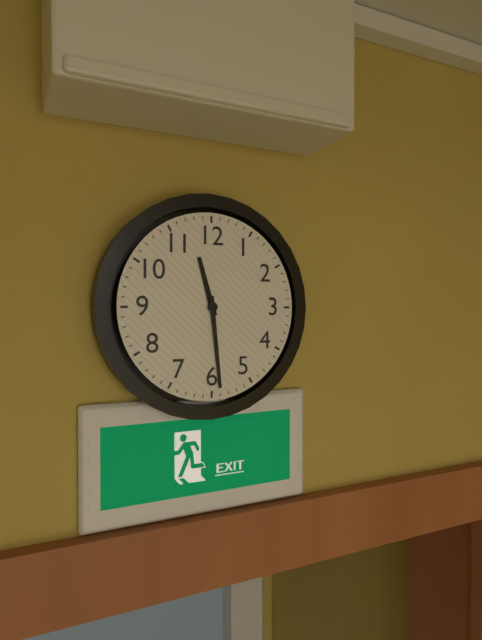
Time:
11:29
